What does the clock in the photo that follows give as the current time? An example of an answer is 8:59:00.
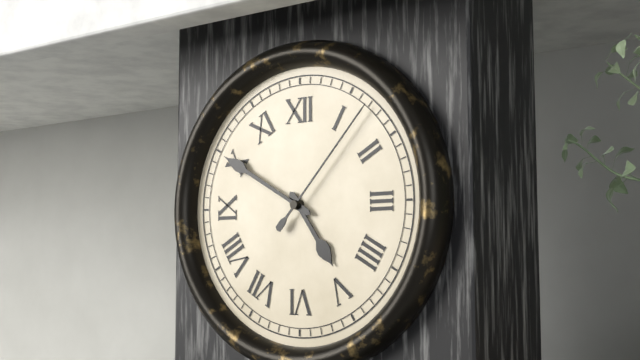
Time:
4:50:07
